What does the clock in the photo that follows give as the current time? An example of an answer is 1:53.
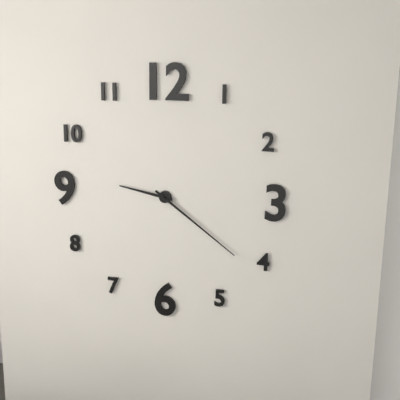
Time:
9:21
